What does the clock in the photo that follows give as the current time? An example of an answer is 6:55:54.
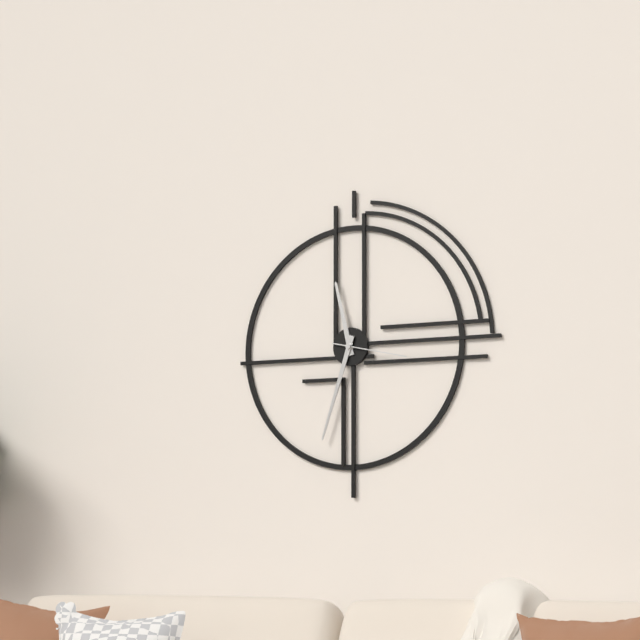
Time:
11:33:17
